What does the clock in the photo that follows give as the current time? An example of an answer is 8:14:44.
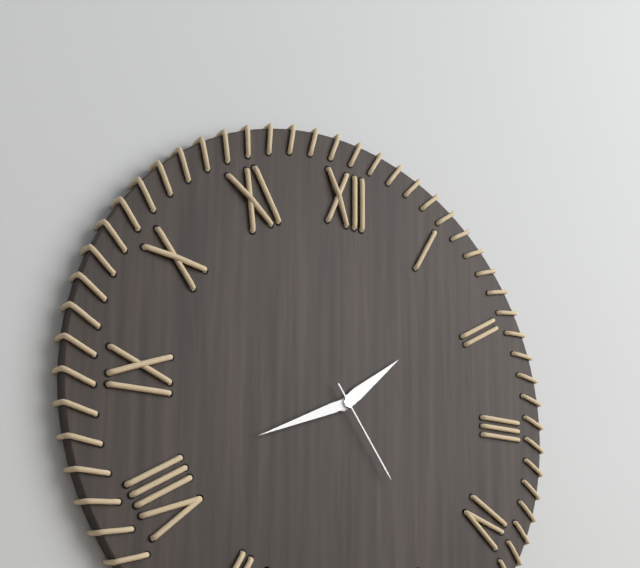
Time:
1:41:24
